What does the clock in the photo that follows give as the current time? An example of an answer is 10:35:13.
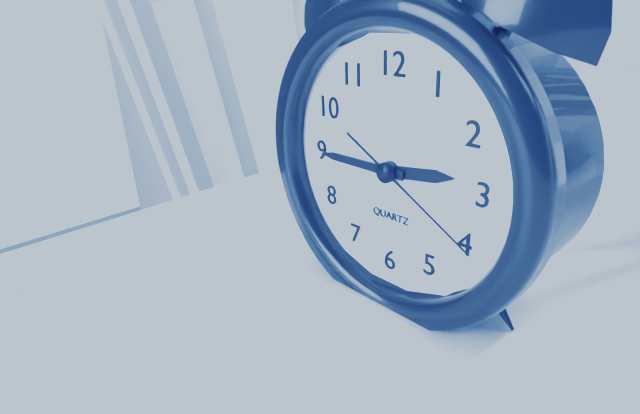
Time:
2:45:20
